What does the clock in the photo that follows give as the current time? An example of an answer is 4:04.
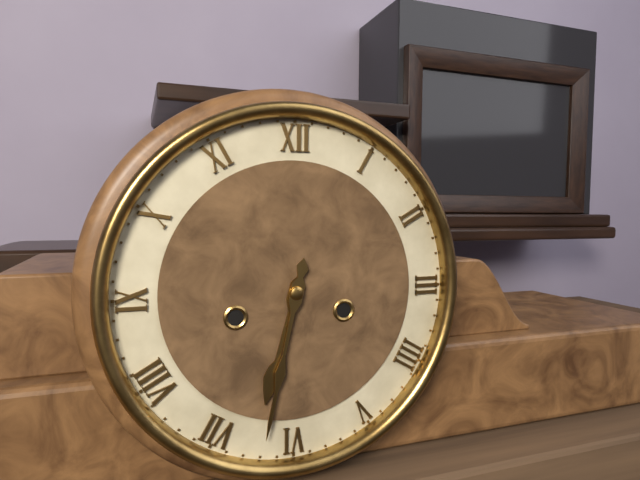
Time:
6:32
